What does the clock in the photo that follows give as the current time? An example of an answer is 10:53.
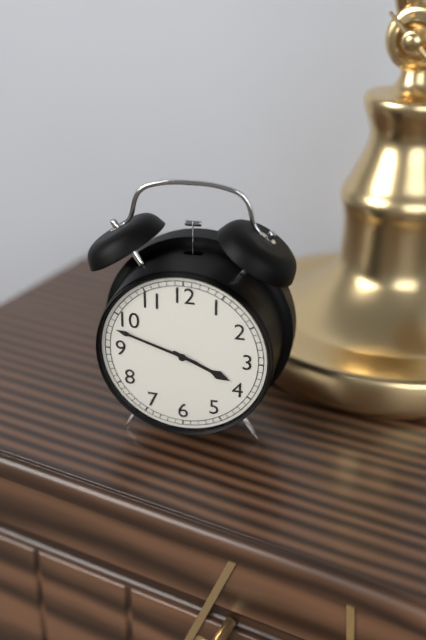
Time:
3:48
